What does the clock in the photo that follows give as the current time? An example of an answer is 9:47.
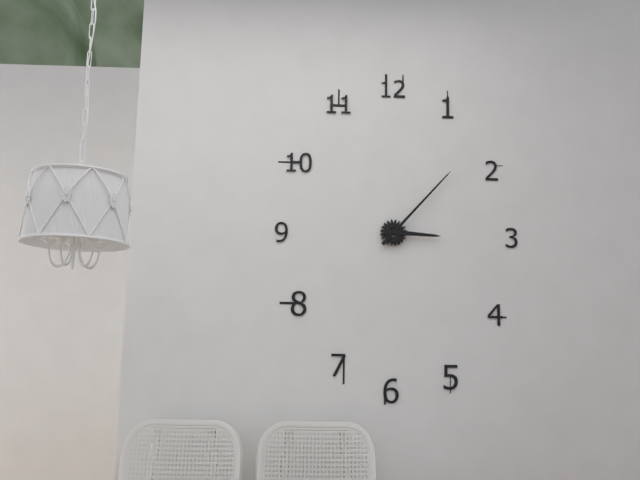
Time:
3:07
